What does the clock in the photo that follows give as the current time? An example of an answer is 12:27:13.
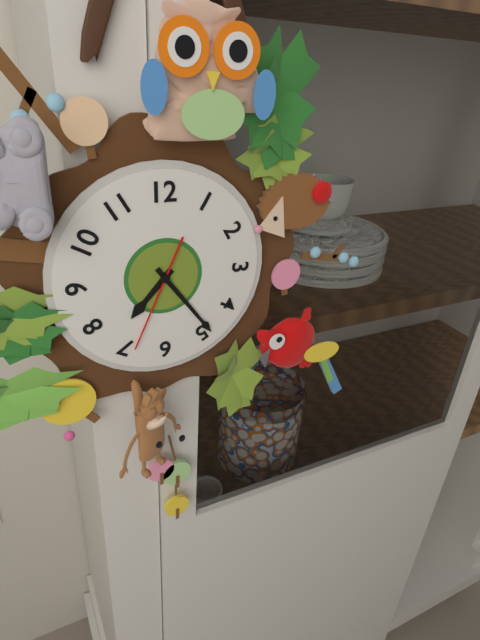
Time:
7:24:34
